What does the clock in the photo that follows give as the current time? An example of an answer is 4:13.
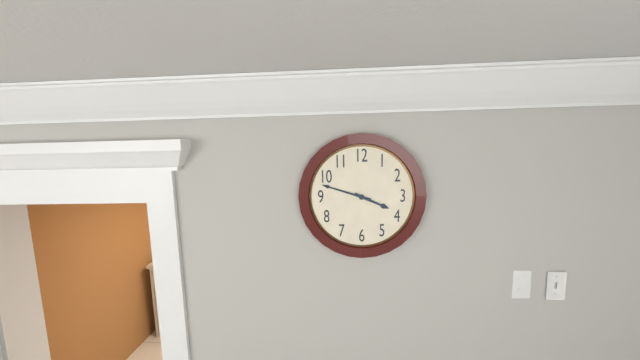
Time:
3:48
